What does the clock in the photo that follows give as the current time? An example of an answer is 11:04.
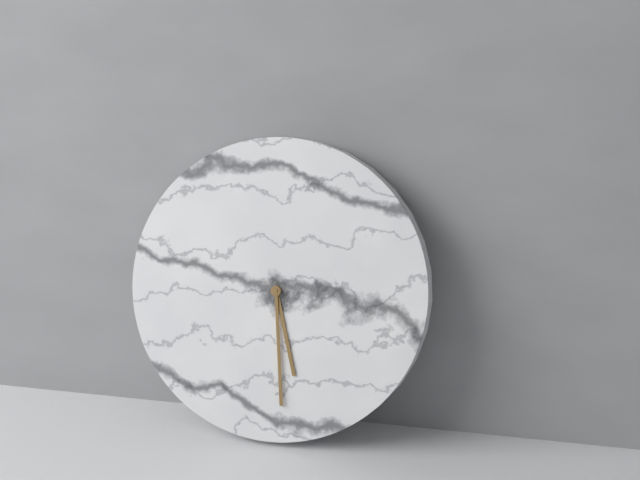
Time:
5:29
